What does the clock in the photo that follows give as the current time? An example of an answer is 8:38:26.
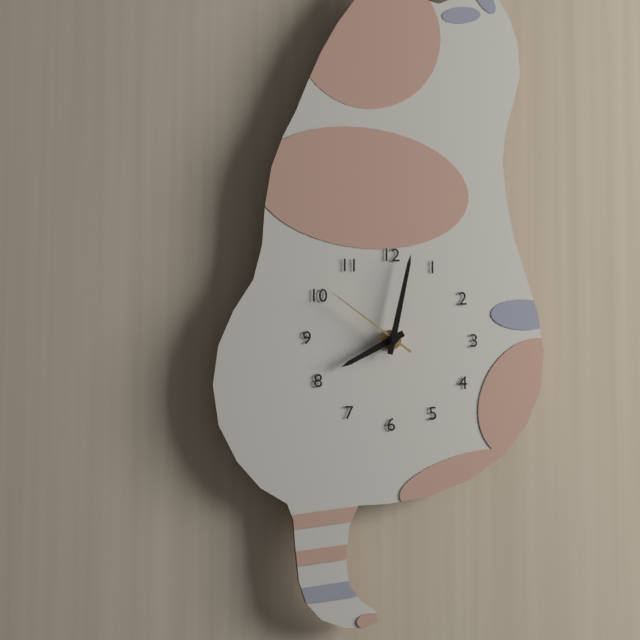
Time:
8:02:51
